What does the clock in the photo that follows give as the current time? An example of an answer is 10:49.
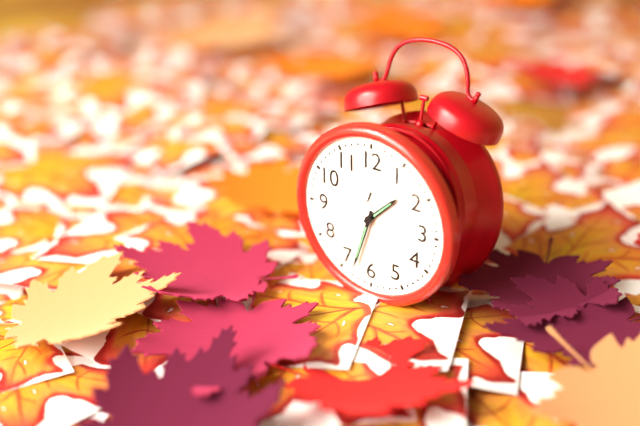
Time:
1:33
